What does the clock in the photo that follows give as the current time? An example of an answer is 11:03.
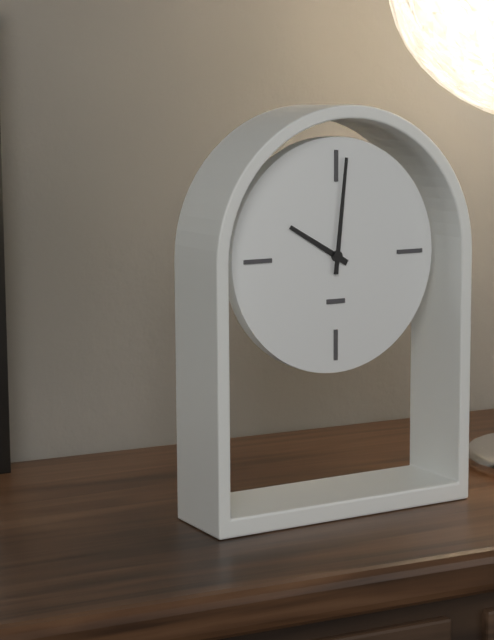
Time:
10:01
